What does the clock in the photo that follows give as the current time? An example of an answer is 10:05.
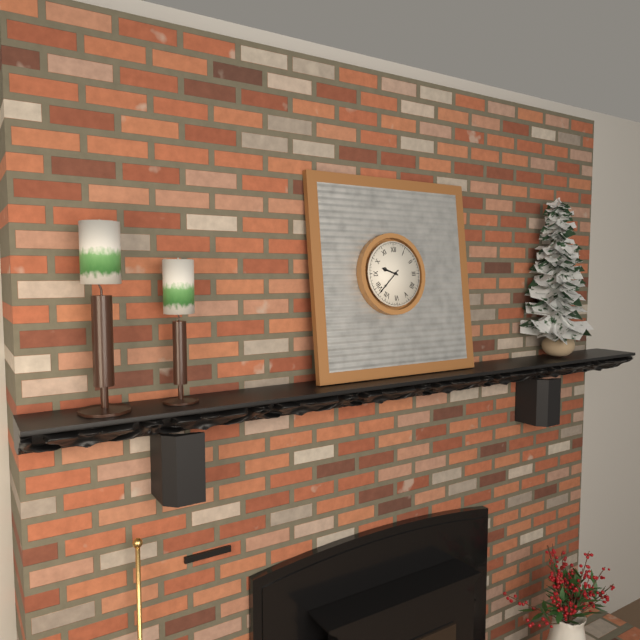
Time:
9:38
